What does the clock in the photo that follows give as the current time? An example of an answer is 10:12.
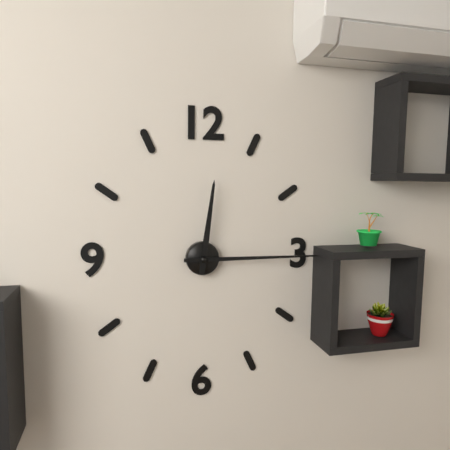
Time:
12:15
